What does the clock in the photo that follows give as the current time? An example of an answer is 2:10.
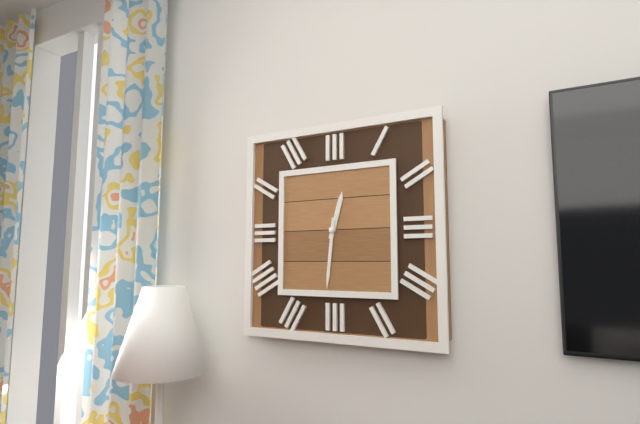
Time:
12:31
